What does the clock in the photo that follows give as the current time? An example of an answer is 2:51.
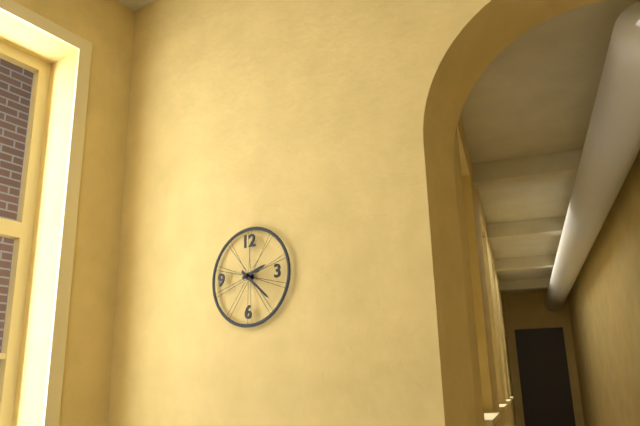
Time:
2:22
